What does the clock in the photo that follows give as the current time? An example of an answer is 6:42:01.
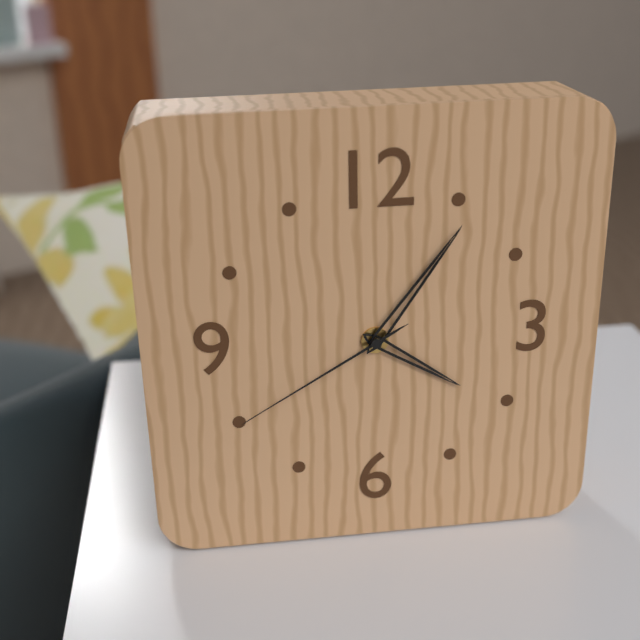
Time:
4:06:40
